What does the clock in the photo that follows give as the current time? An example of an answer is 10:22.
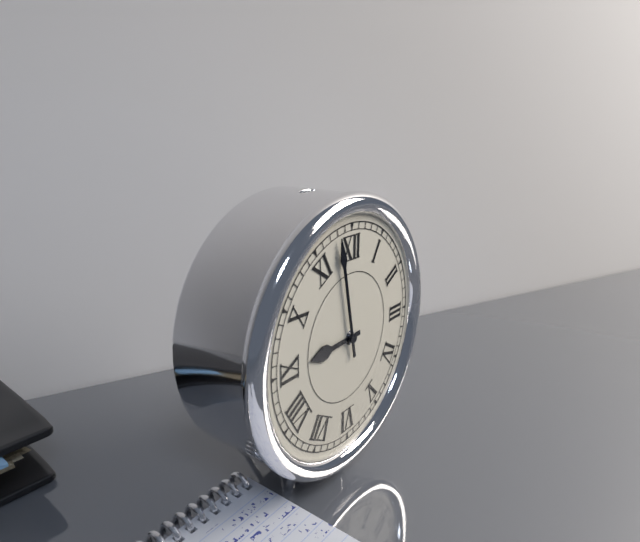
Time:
8:58
